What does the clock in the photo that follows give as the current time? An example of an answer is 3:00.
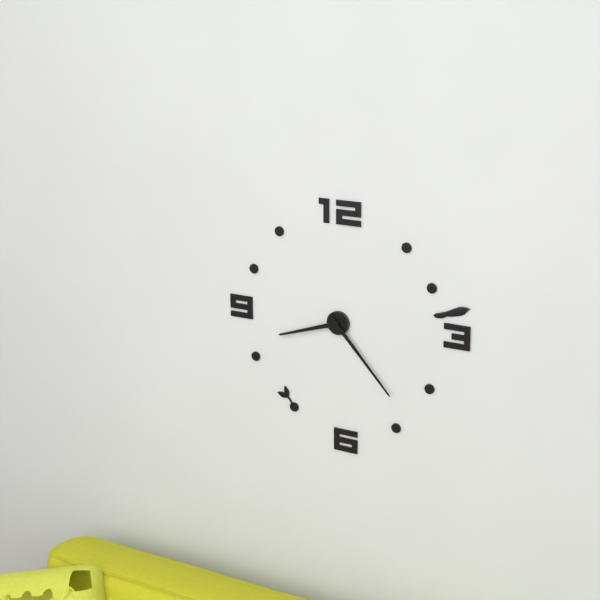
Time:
8:23
